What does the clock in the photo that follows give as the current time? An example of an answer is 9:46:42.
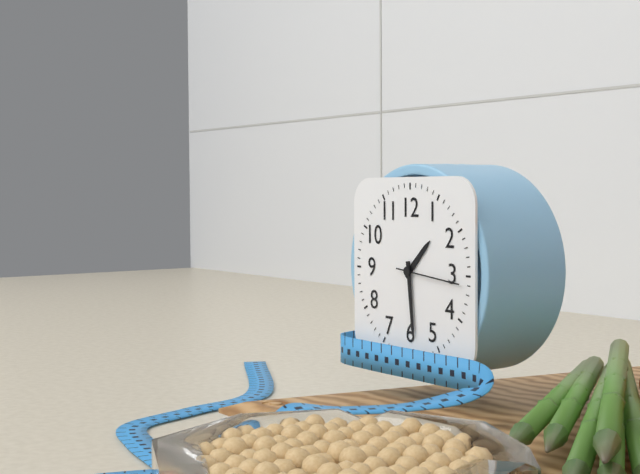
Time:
1:29:16
